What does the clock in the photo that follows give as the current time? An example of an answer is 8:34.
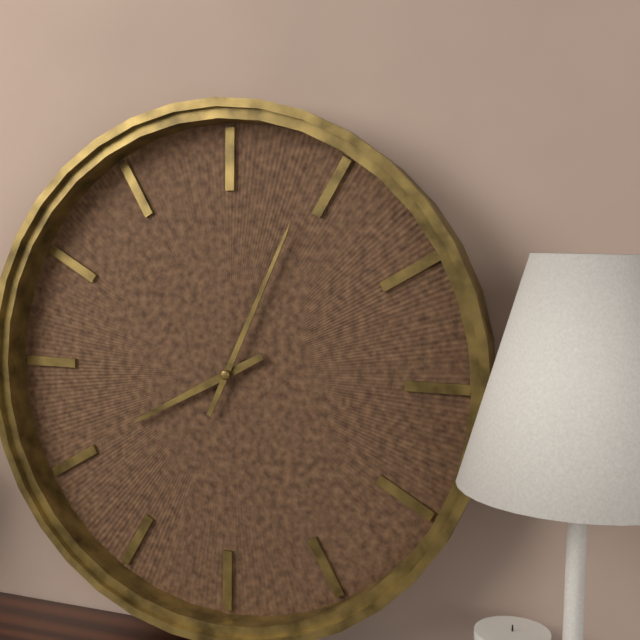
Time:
8:04
